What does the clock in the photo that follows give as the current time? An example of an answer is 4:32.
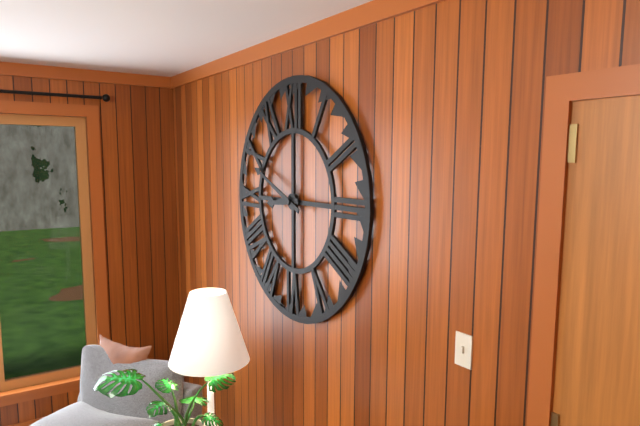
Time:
8:49
